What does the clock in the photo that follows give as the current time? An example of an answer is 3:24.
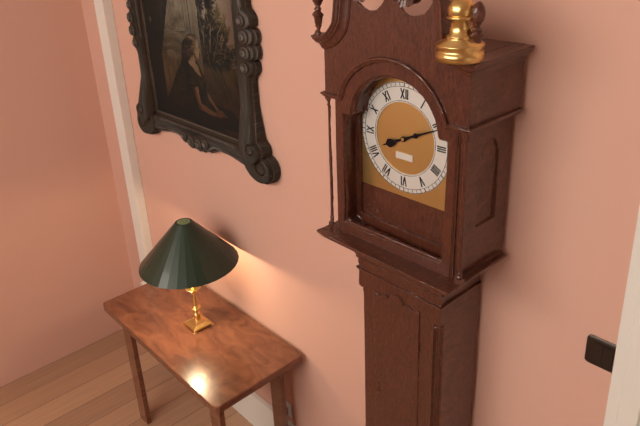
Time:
8:11
